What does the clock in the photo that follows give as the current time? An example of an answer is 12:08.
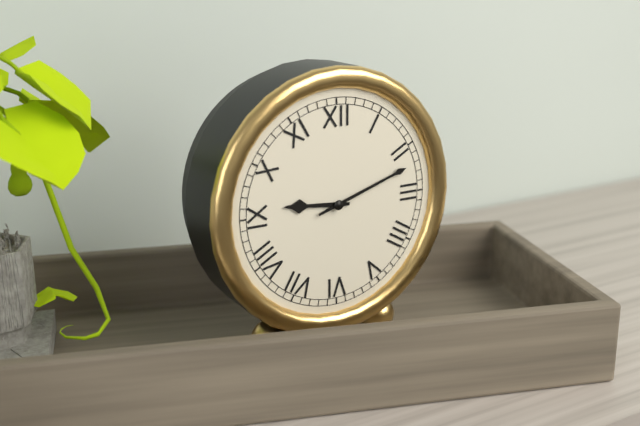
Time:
9:12
